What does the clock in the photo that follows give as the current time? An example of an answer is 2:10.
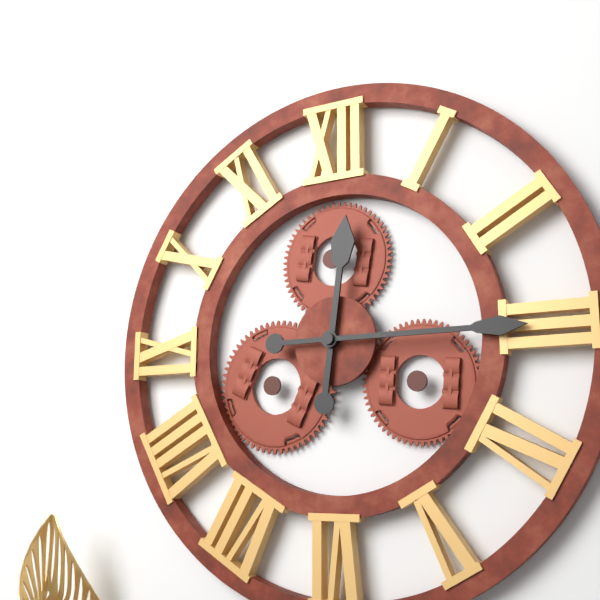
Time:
12:15
